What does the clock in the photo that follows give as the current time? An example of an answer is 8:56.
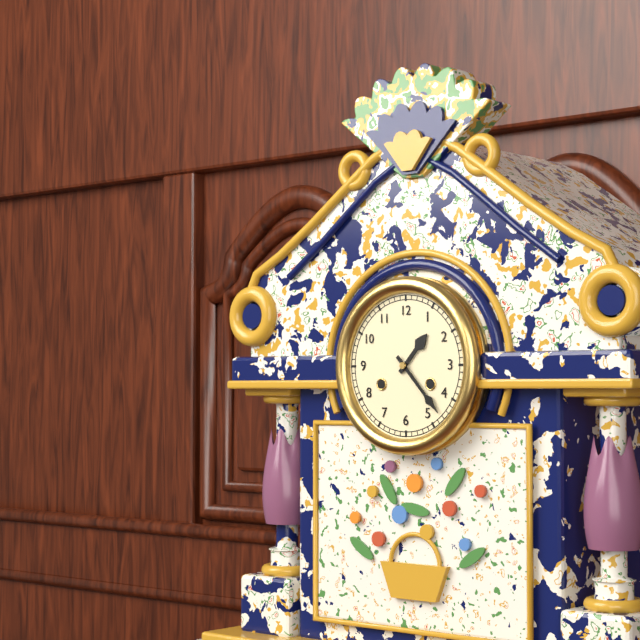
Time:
1:23
